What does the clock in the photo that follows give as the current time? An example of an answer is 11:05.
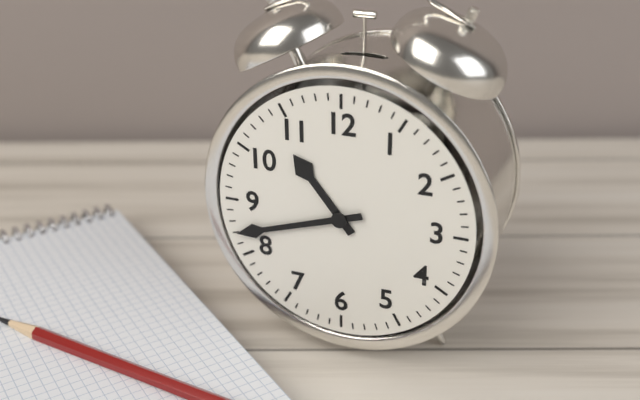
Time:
10:42
